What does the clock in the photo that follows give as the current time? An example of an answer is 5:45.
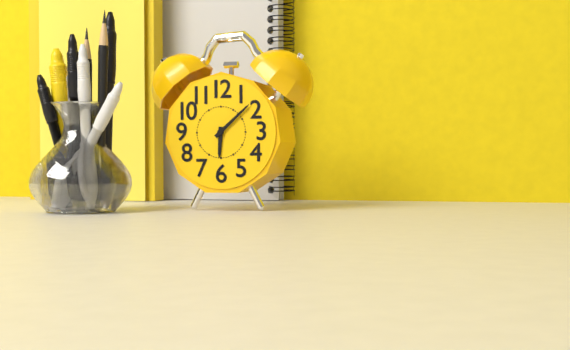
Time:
6:08
